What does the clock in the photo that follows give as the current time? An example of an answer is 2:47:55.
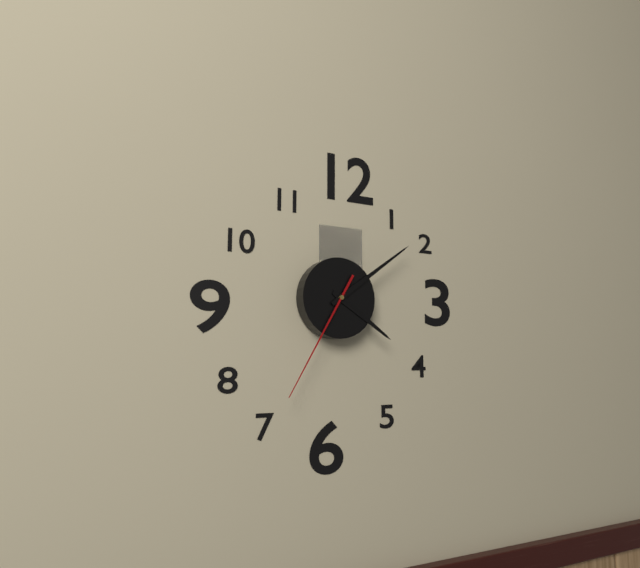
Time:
4:09:35
